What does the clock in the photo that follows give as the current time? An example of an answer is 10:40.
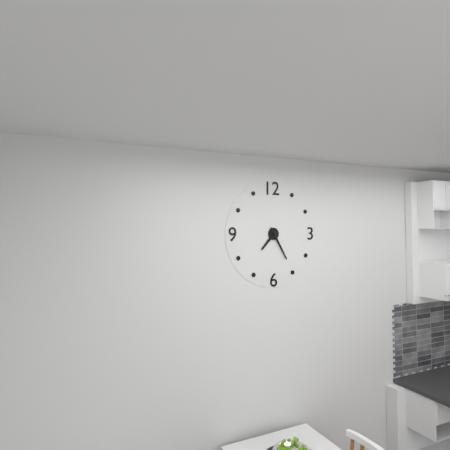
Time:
7:25
